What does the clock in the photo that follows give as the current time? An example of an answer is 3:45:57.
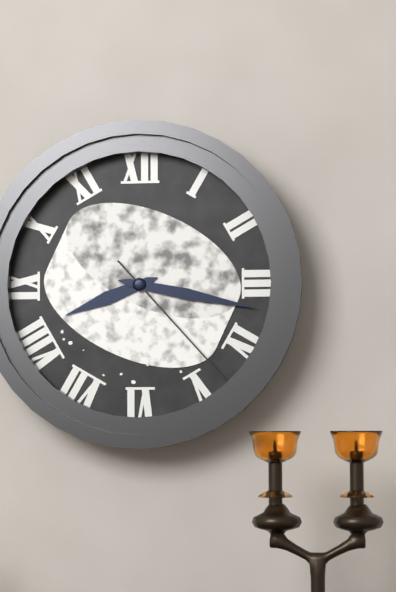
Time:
8:17:23
